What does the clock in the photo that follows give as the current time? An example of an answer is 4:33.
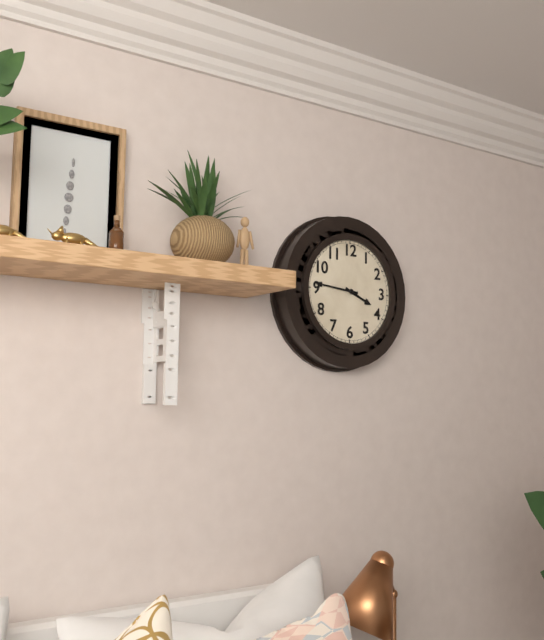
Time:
3:46
